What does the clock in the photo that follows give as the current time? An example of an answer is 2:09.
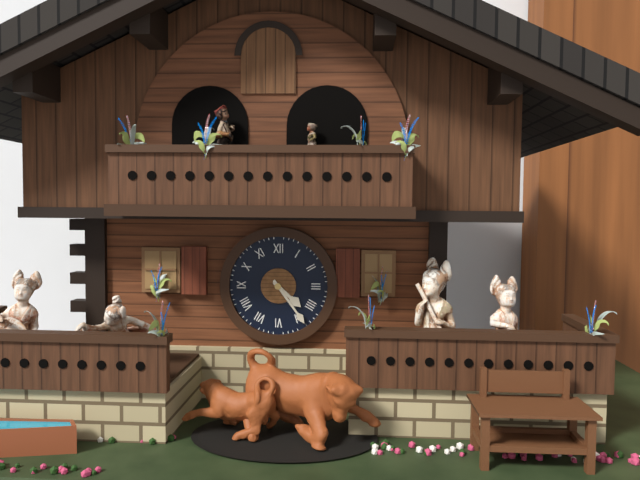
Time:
4:24
